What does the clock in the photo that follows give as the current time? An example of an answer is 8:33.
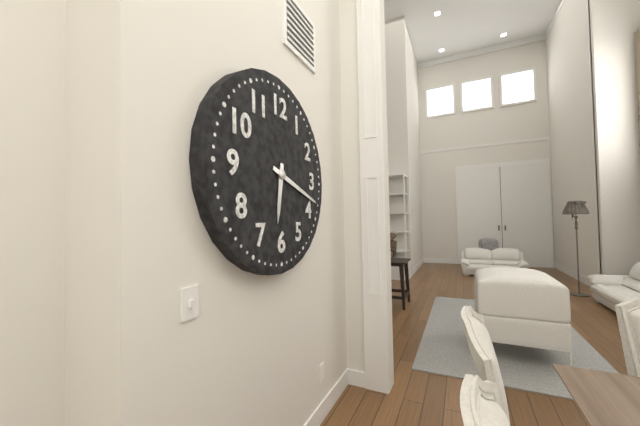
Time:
6:18
